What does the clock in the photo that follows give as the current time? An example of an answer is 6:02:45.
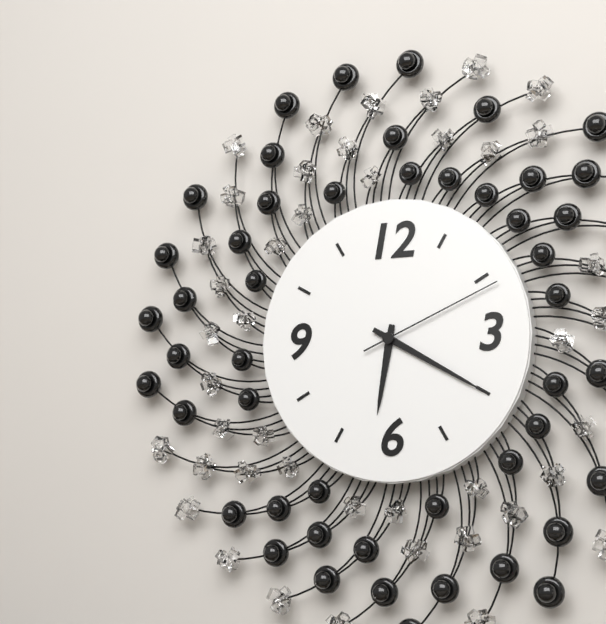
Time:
6:20:11
